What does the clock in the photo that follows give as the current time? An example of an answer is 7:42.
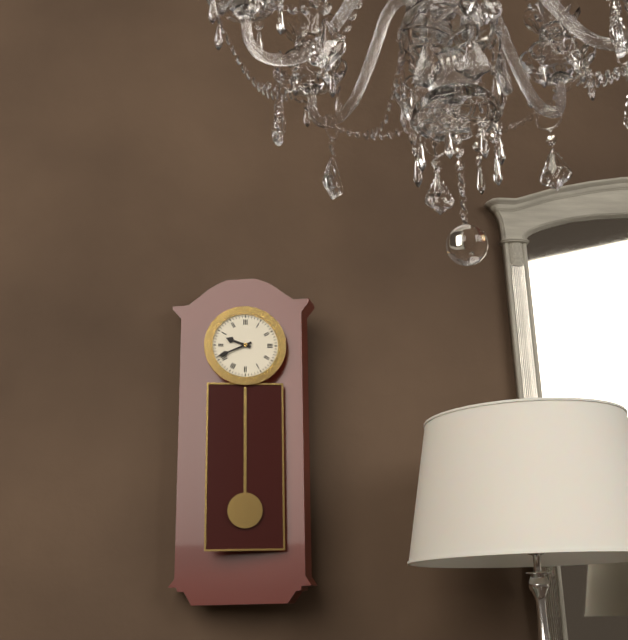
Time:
9:41
